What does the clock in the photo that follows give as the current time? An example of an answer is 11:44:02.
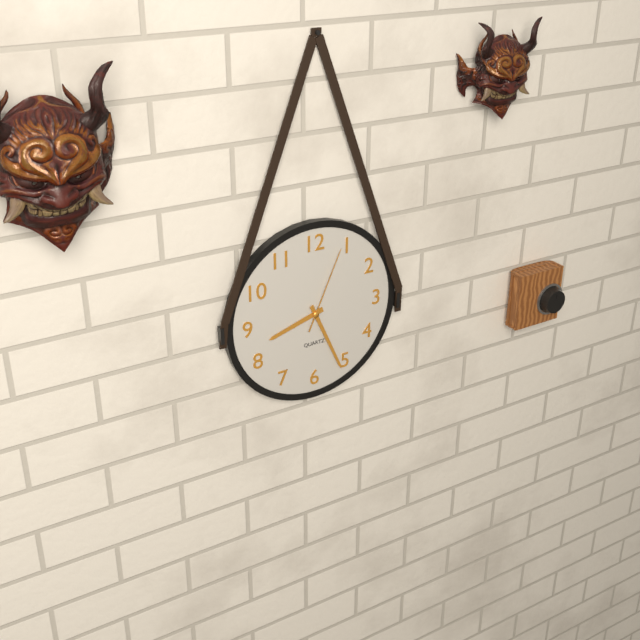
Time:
8:26:04
